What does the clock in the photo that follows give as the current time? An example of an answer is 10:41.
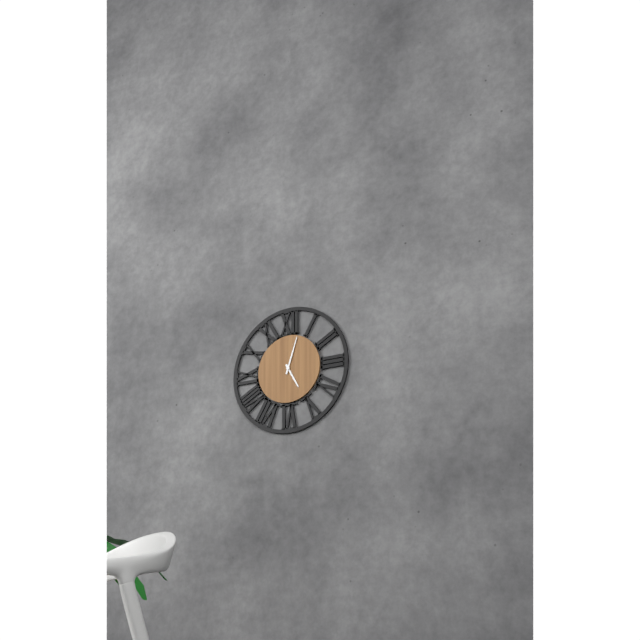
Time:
5:03
